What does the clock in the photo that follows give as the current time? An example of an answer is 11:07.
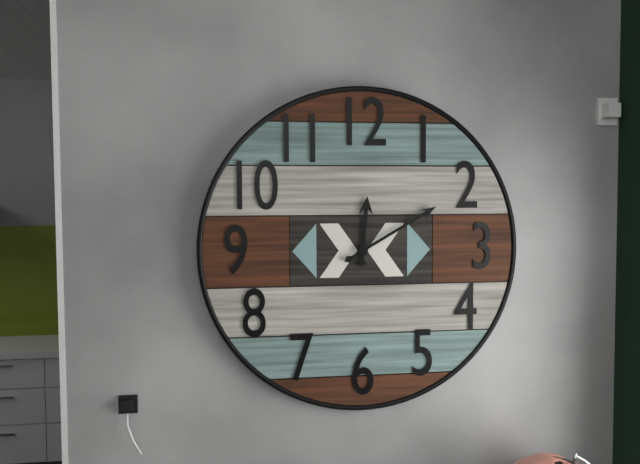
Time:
12:10
